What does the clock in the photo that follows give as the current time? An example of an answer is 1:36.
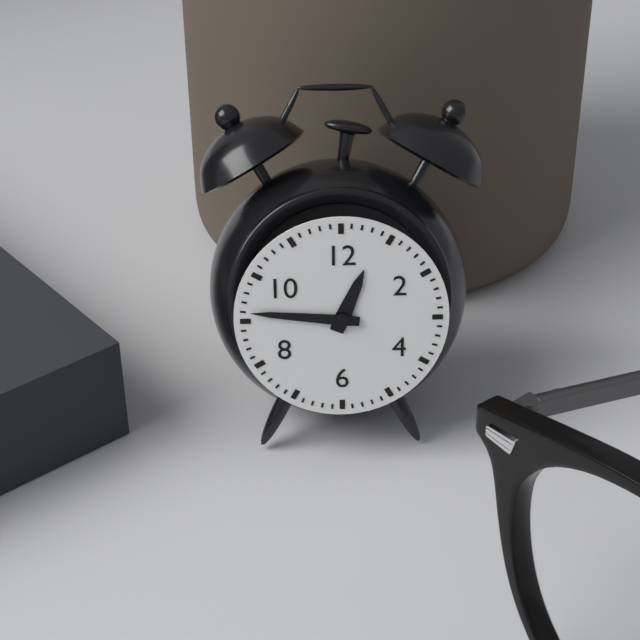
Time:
12:46
